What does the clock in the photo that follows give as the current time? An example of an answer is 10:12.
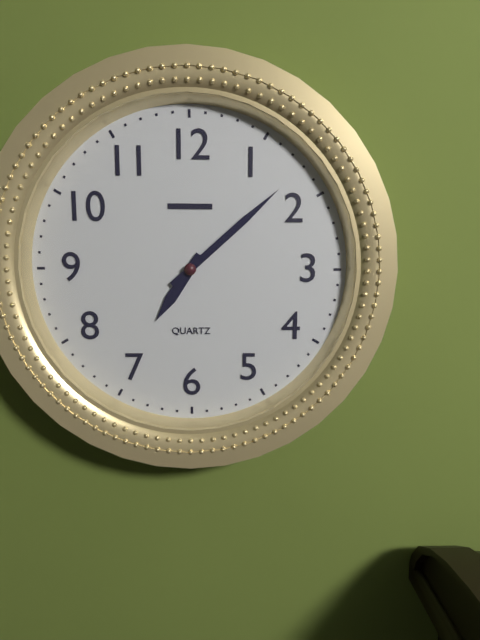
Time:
7:08
